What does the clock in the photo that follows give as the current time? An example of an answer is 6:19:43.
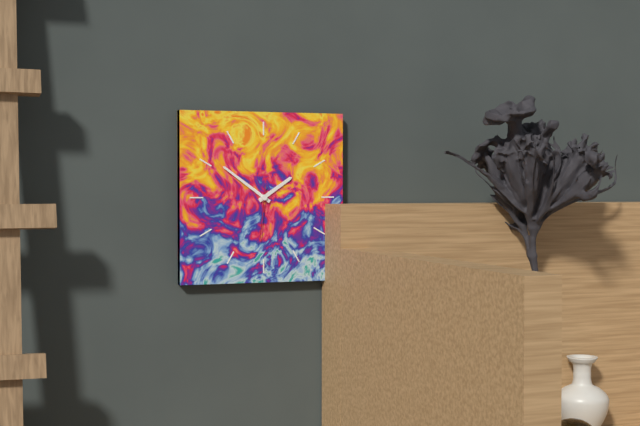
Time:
1:51:31
